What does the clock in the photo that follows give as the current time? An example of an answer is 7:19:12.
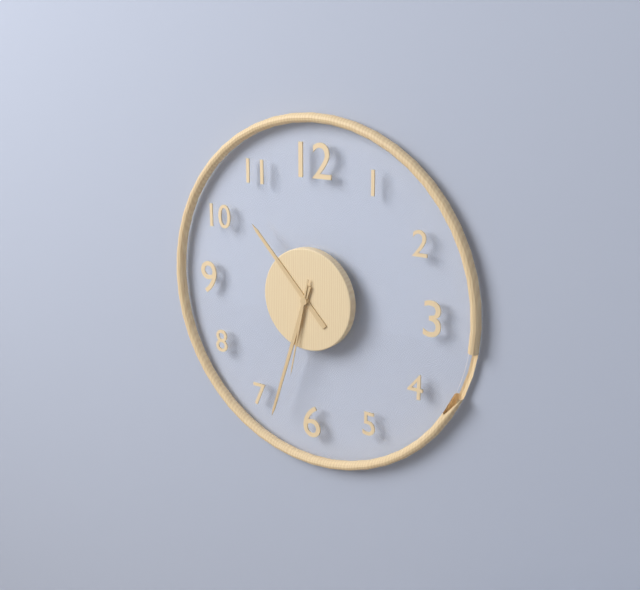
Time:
10:33:32
